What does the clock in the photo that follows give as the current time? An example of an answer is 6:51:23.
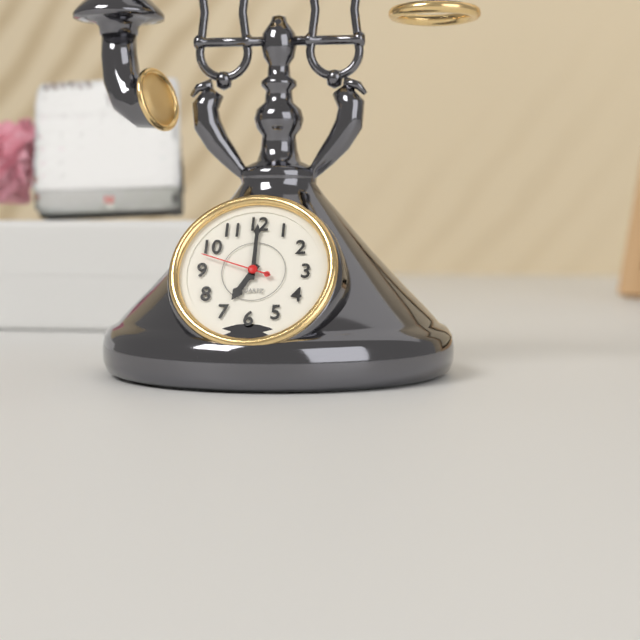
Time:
7:00:48
